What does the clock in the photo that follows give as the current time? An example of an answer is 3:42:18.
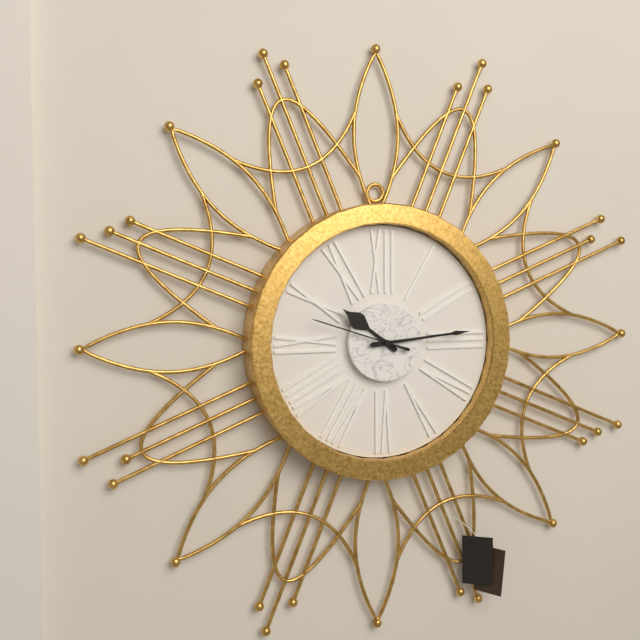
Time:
10:14:48
